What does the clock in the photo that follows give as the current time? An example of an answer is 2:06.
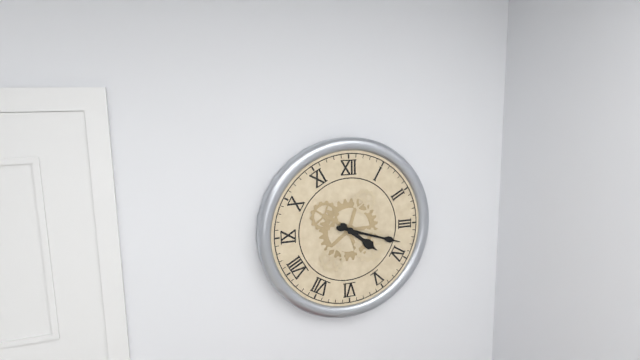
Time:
4:18
